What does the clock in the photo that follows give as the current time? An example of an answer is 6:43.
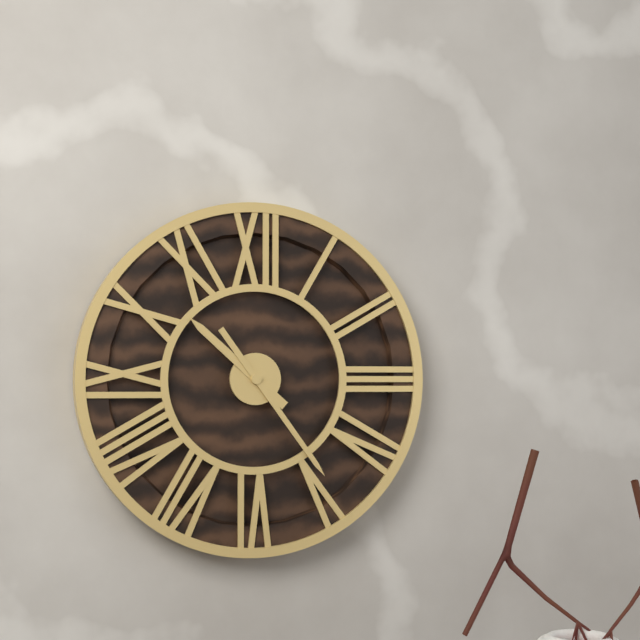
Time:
10:24
